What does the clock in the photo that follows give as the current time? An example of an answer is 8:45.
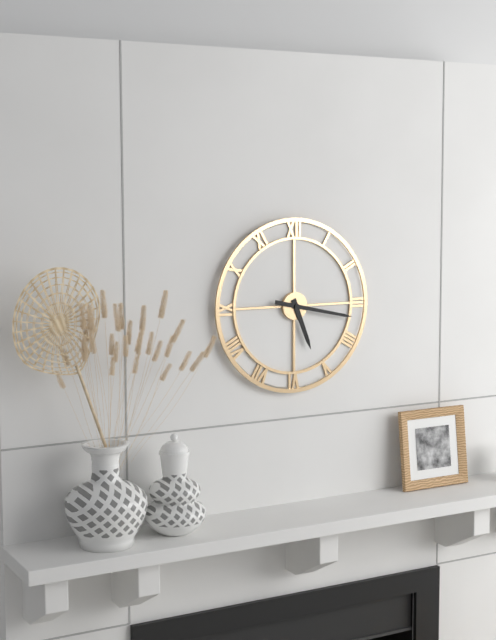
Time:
5:17
